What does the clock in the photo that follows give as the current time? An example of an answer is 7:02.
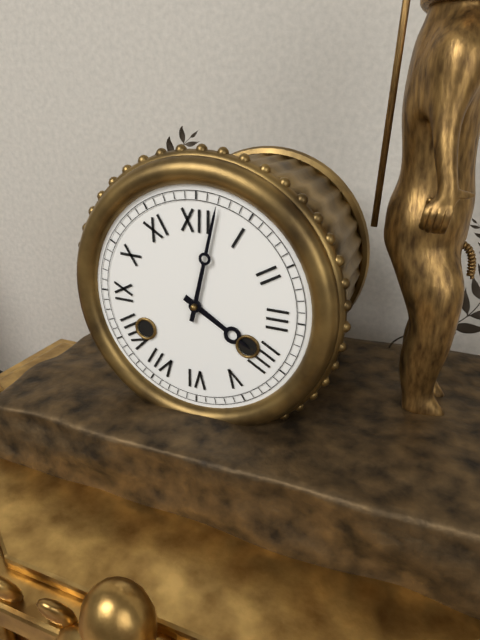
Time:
4:02
